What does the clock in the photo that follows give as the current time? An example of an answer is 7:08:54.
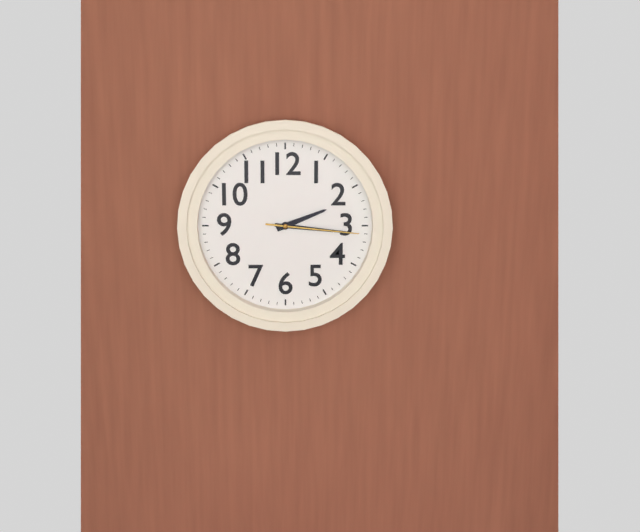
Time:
2:16:16
